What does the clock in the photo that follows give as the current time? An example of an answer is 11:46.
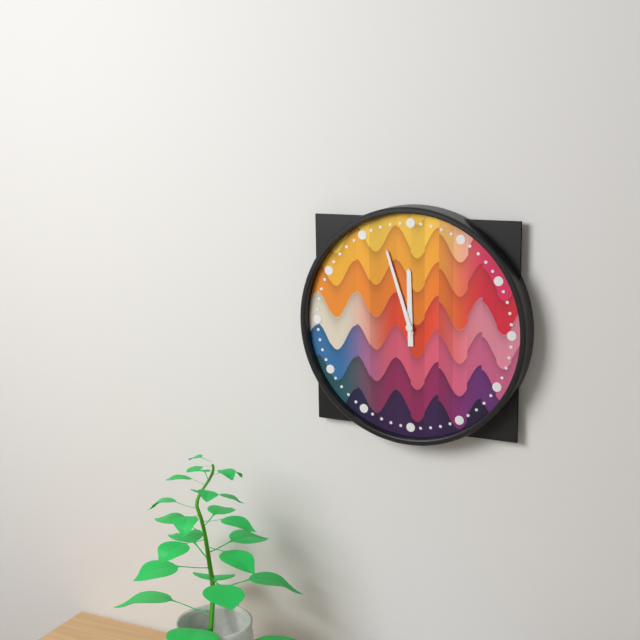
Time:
11:57
